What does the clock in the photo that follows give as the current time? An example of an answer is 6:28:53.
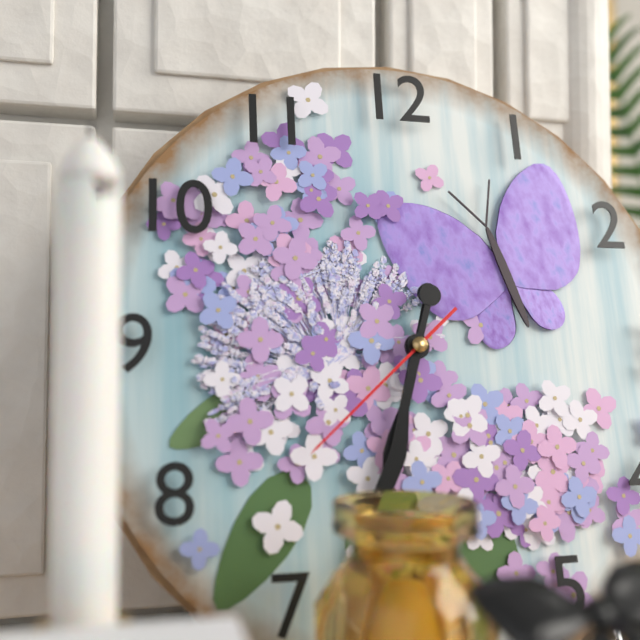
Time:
6:33:38
